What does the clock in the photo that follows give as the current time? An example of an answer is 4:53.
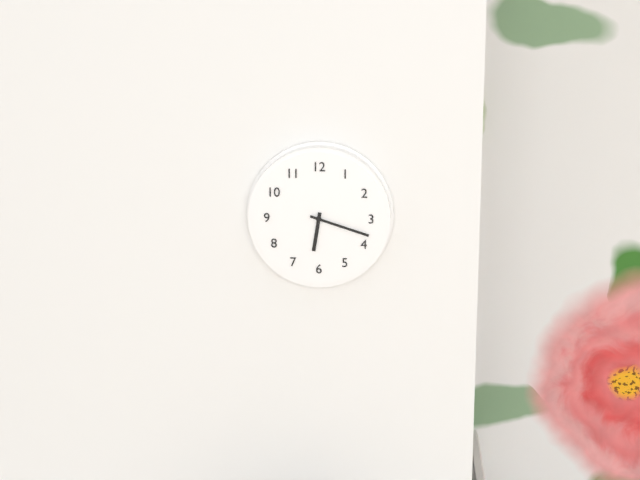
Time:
6:18
